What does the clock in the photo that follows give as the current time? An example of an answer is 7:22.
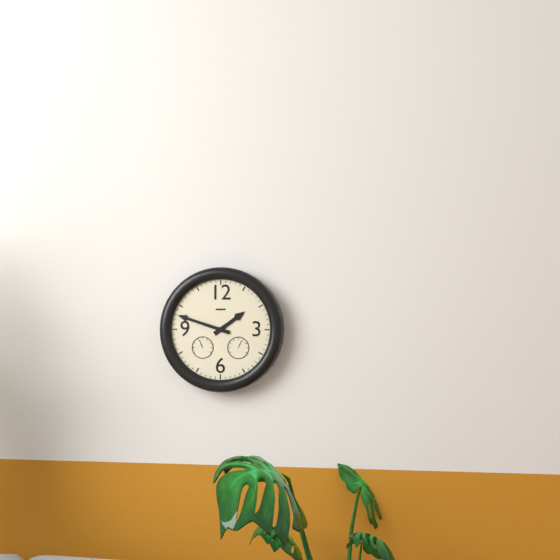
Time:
1:48
